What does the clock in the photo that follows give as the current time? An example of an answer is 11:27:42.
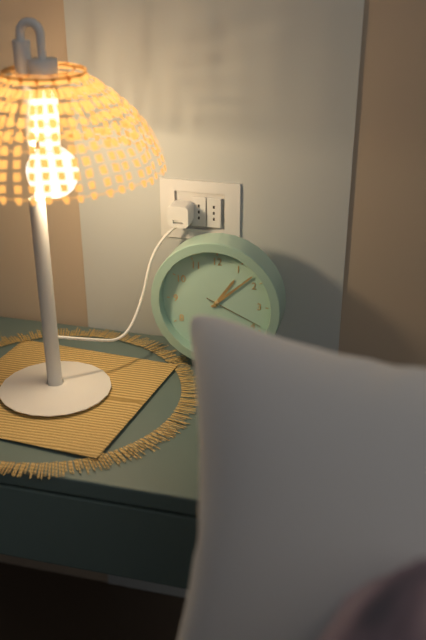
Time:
1:08:19
